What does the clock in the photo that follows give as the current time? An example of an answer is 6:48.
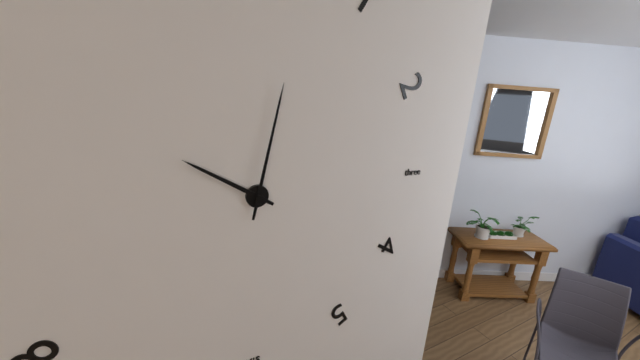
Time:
10:02
